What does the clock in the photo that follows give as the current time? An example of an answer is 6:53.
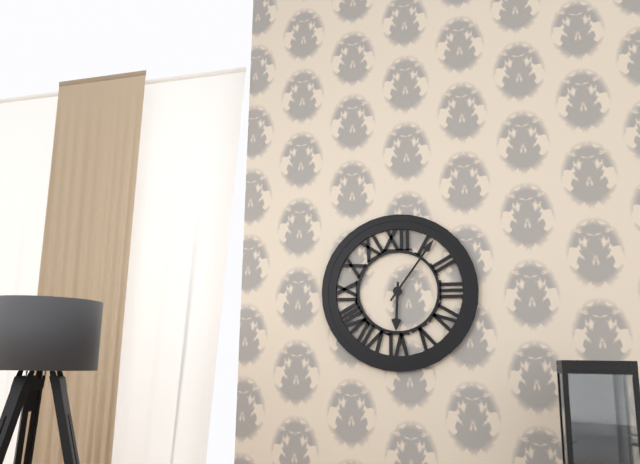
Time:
6:06
